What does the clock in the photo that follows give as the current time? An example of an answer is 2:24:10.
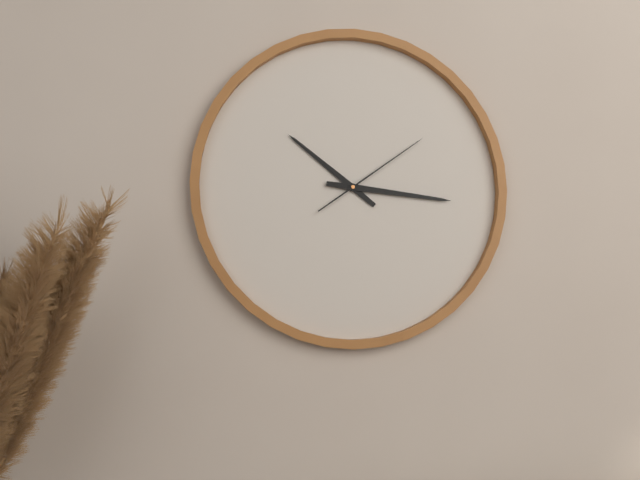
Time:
10:16:09
